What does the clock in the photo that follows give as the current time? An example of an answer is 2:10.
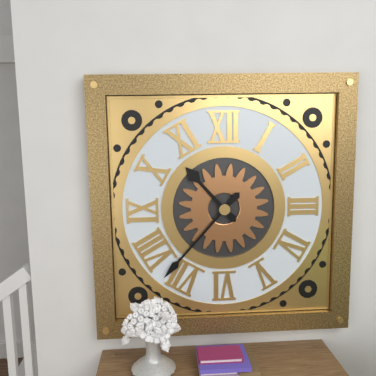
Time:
10:37
